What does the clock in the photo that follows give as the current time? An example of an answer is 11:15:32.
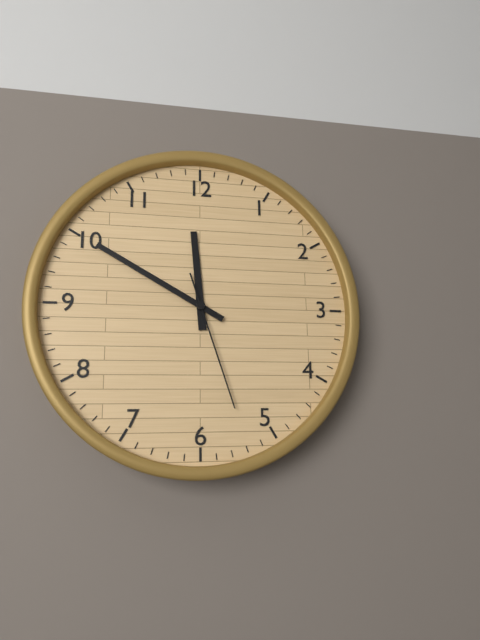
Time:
11:50:27
